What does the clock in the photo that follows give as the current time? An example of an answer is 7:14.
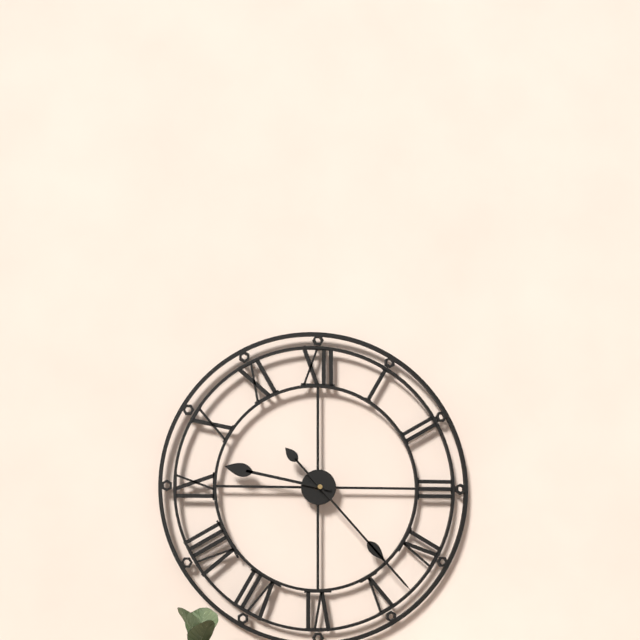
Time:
9:23
